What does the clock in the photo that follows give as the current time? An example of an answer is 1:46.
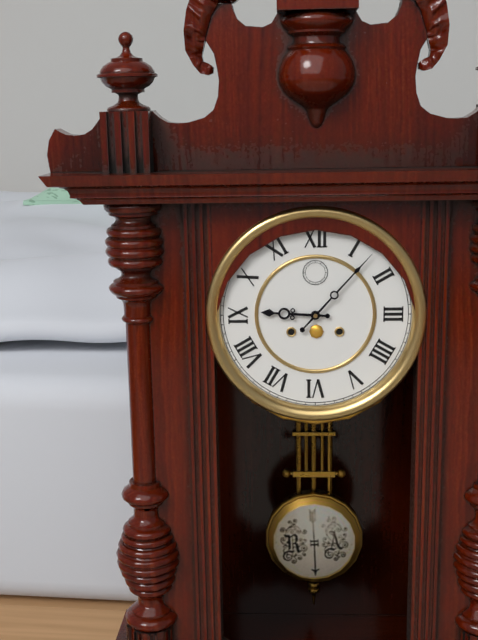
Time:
9:07
